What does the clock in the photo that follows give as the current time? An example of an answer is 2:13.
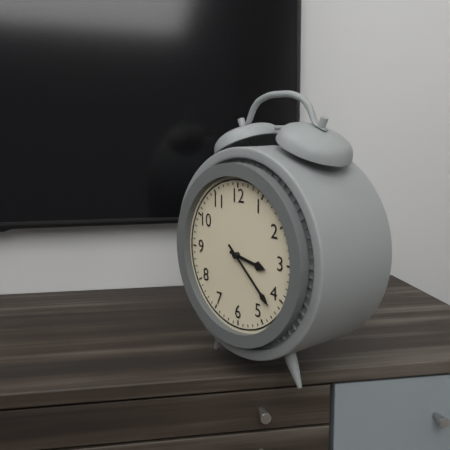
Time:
3:22
